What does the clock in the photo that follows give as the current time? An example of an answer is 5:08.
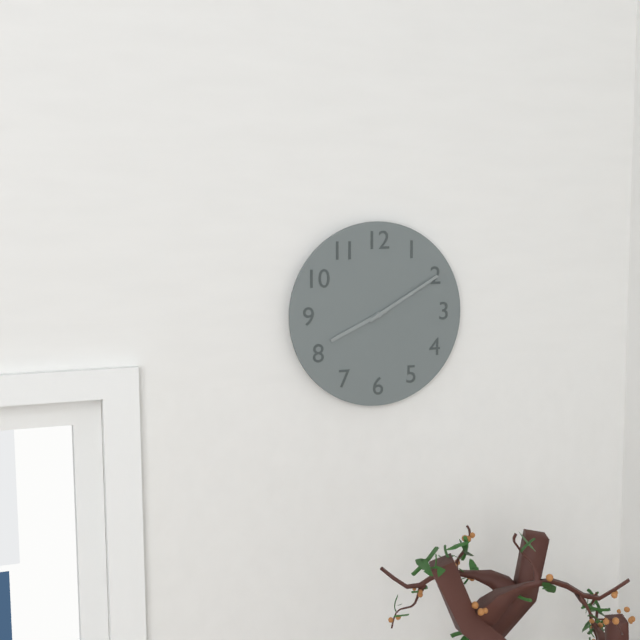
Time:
8:10
